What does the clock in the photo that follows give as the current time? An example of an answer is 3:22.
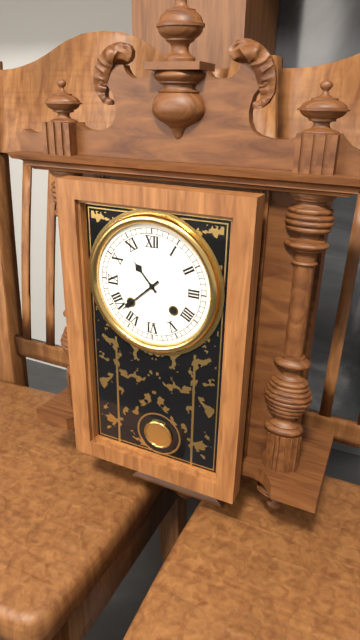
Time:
10:38
